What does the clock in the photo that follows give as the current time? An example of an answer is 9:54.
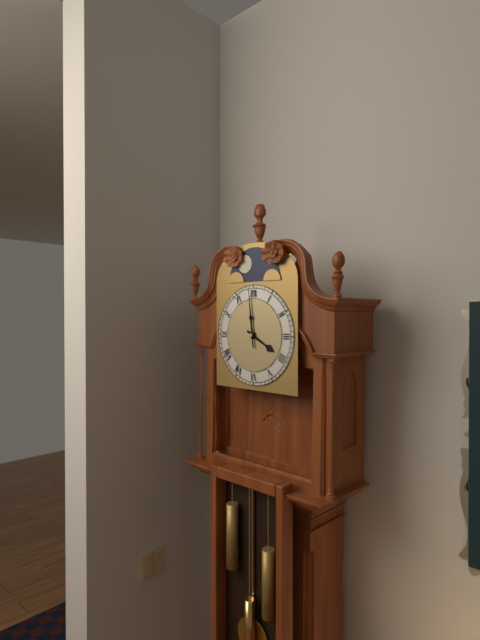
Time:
3:59
